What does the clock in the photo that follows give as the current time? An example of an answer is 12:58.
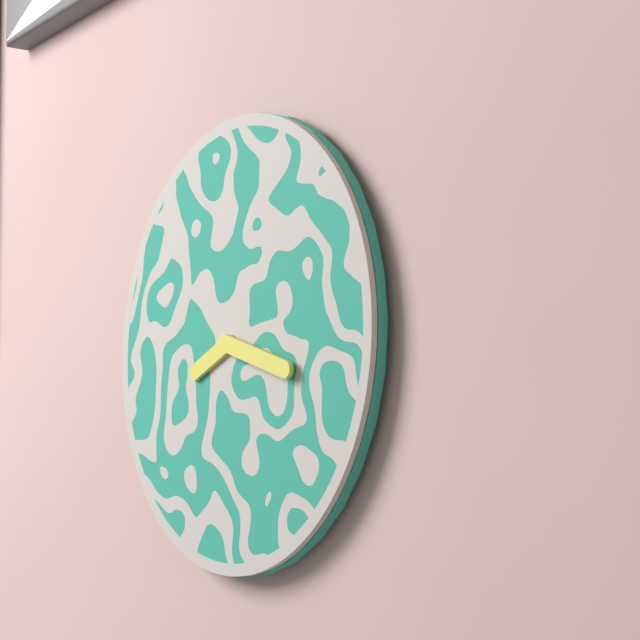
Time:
8:18
